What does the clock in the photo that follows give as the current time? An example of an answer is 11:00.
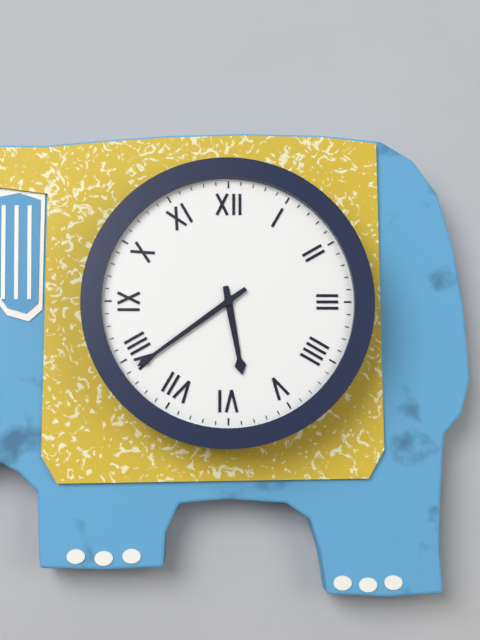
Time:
5:39
